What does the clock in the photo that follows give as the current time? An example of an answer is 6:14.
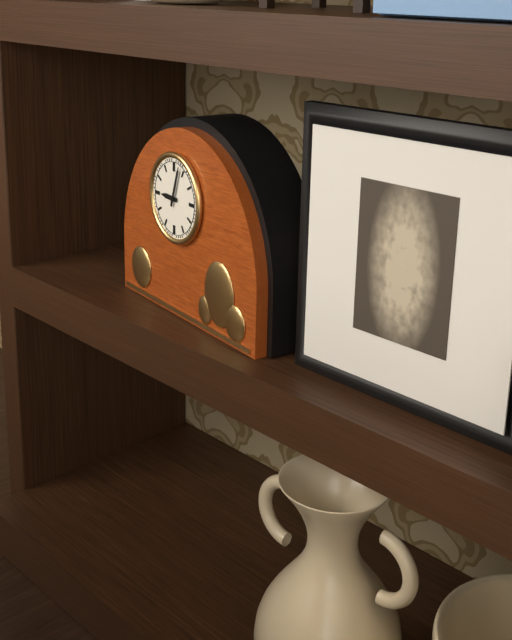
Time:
9:03
